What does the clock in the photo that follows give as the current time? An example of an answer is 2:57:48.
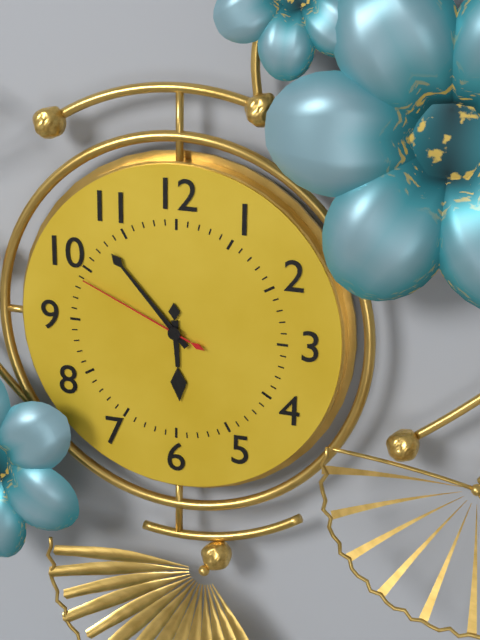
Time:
5:53:49
